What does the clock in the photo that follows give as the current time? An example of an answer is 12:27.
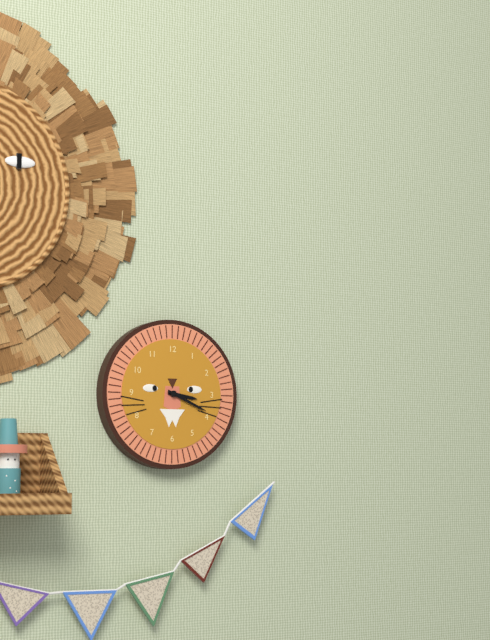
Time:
3:19
